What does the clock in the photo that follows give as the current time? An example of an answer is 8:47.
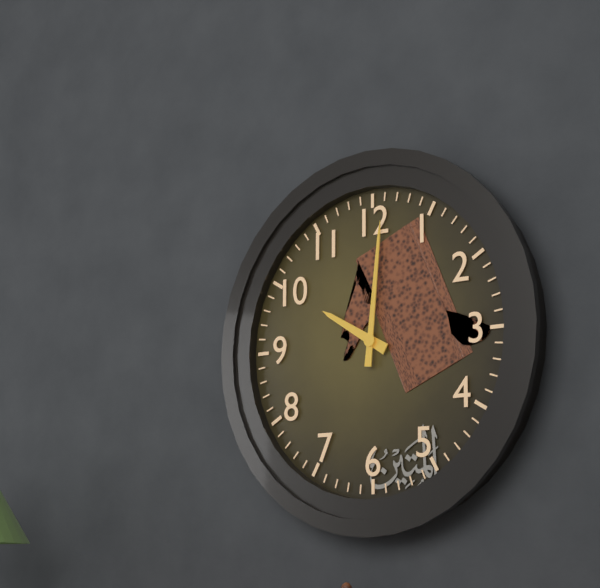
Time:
10:01
